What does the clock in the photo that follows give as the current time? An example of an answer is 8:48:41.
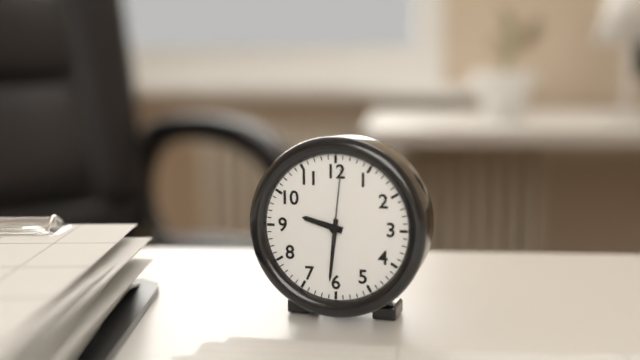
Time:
9:31:01
